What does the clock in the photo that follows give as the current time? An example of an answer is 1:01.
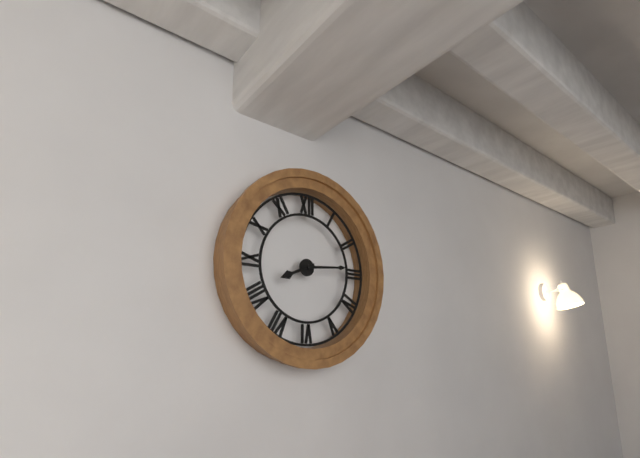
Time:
8:14
